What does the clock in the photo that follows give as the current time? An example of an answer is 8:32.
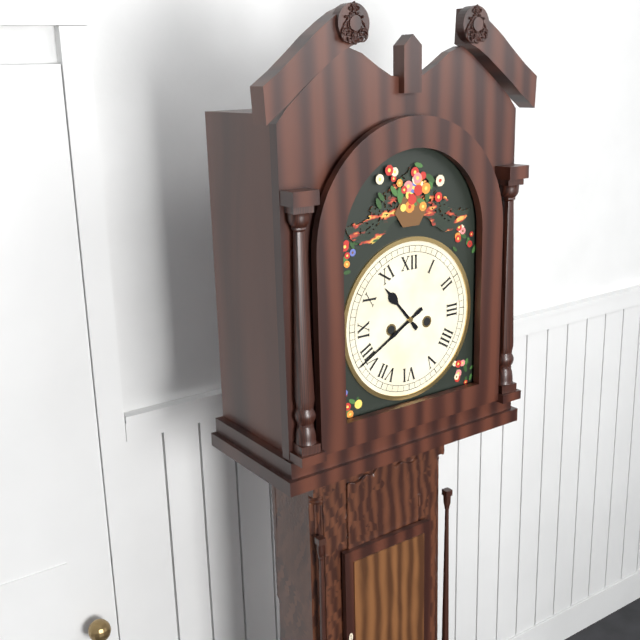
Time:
10:40
